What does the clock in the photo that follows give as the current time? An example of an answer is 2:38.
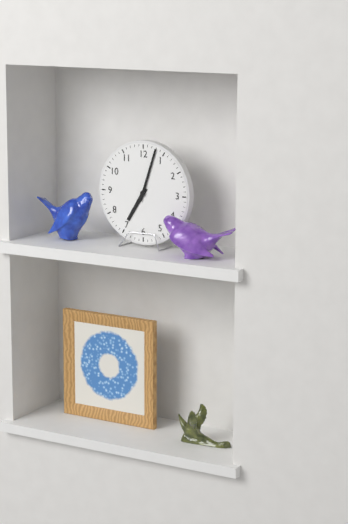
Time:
7:03
